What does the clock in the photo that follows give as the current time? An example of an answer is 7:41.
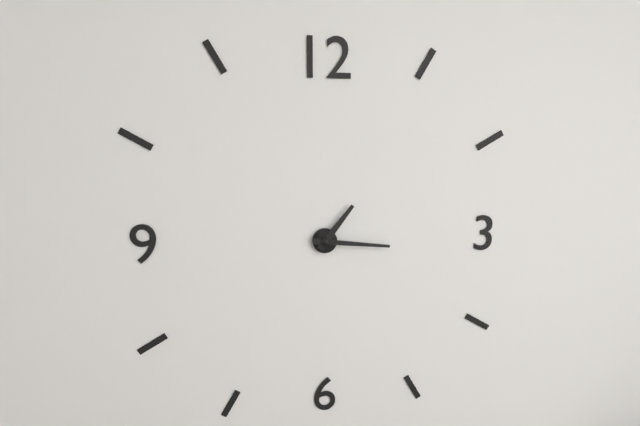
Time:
1:16
